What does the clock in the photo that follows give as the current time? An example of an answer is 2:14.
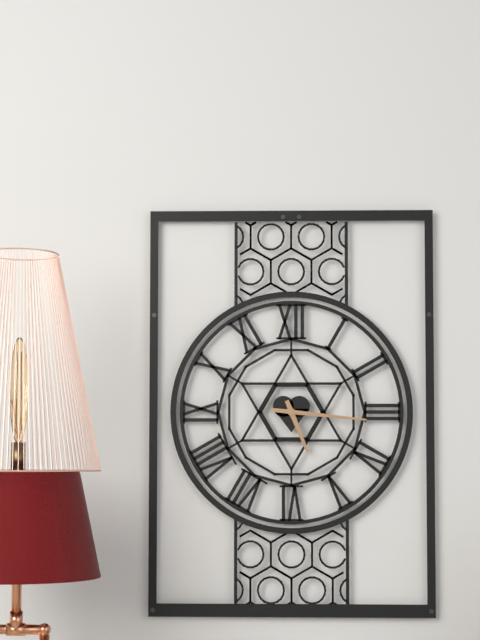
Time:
5:16
